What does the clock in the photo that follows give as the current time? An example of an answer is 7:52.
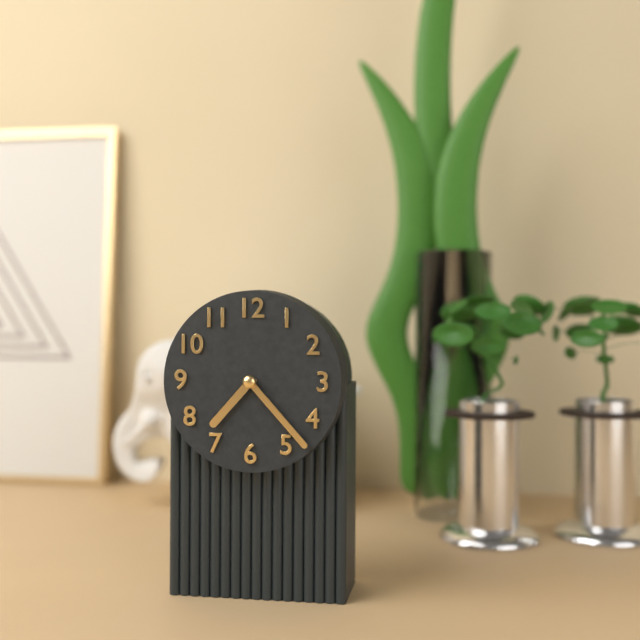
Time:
7:23
